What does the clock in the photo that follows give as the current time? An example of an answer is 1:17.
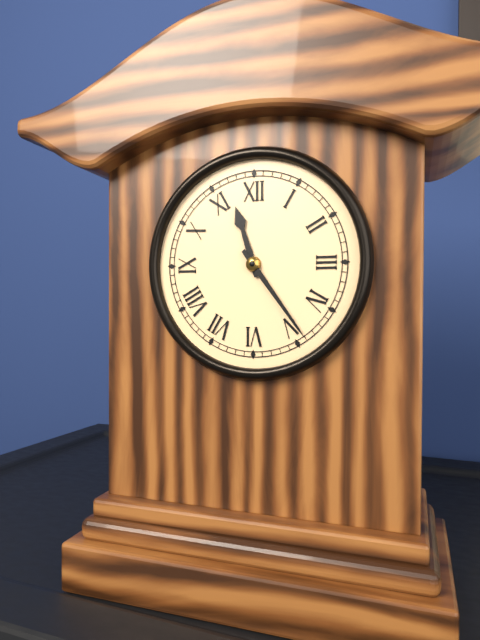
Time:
11:24
